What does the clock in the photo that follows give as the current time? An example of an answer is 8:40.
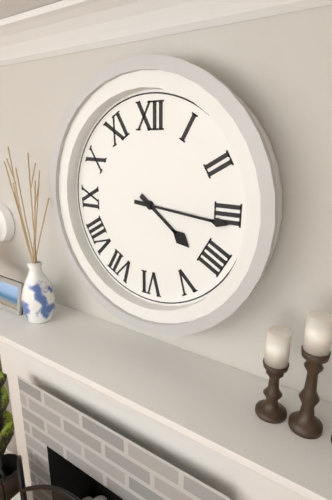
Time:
4:16
